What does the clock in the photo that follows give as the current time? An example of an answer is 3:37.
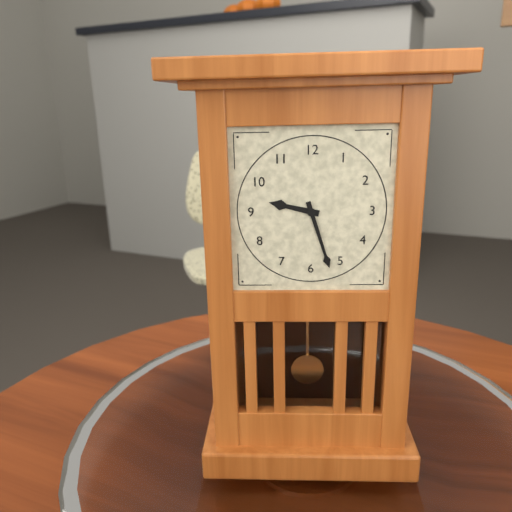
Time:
9:27
